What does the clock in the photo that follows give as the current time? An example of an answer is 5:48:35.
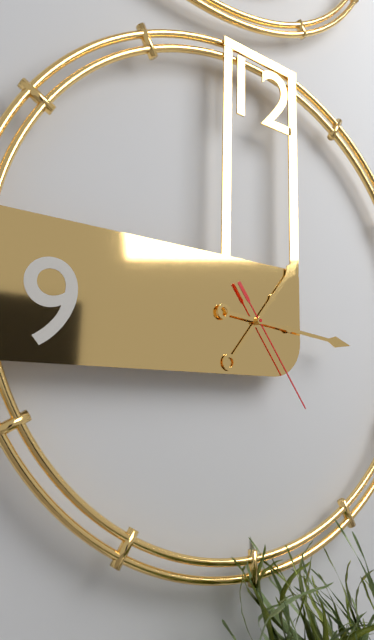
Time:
1:16:24
